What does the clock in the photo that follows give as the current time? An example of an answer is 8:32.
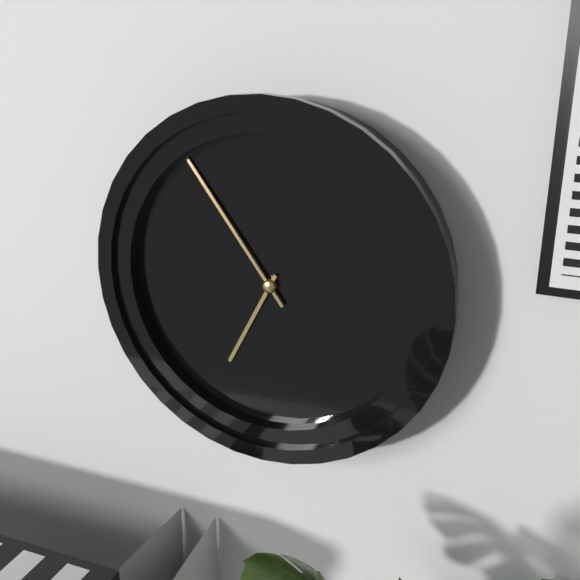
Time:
6:54
